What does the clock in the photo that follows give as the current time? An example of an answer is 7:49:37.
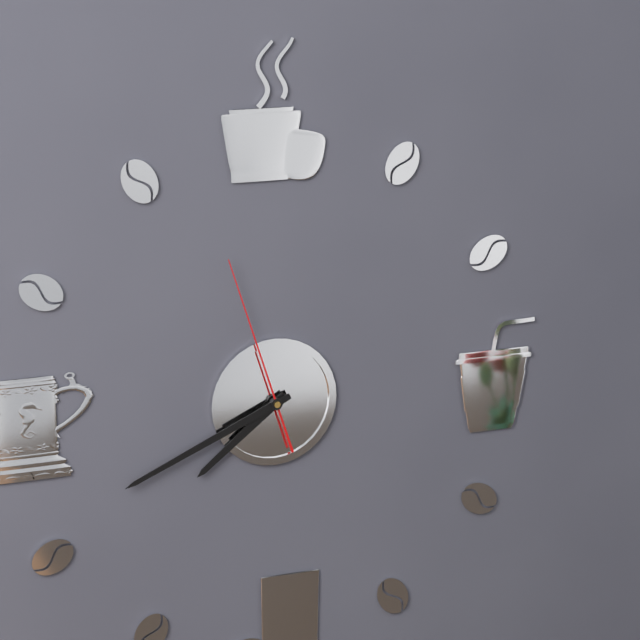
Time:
7:41:57
